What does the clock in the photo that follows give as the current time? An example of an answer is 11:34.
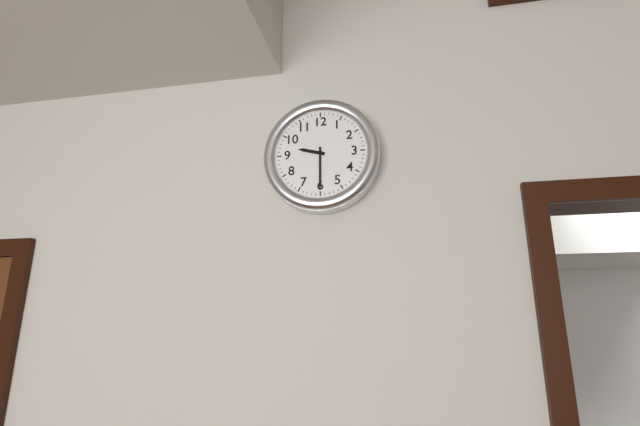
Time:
9:30
